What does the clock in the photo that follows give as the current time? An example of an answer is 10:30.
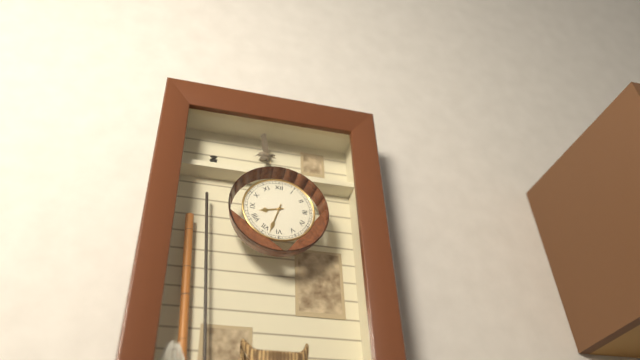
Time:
8:33
